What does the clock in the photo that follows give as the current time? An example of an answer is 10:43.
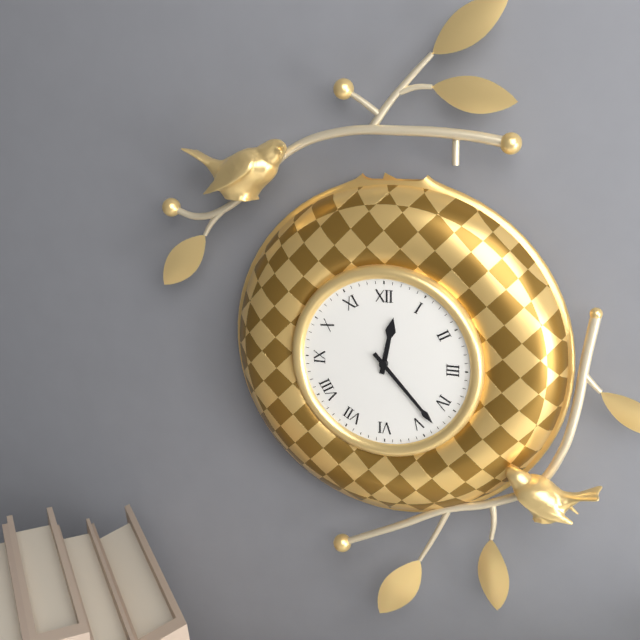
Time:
12:23
